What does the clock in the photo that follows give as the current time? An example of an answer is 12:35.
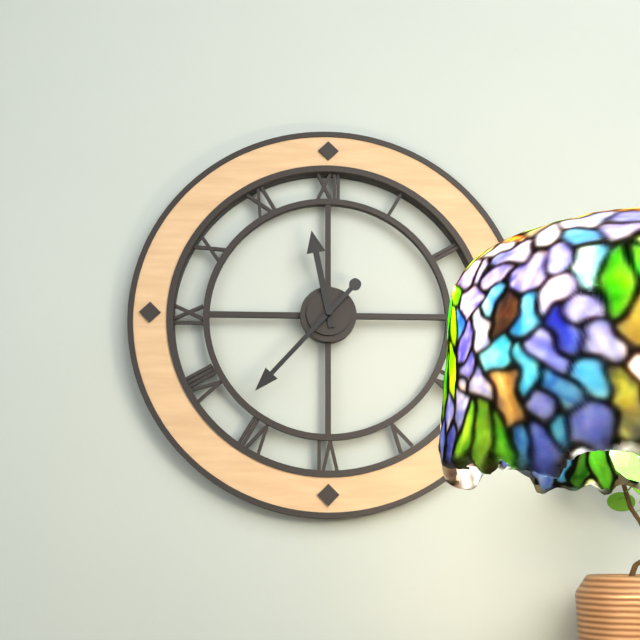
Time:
11:37
